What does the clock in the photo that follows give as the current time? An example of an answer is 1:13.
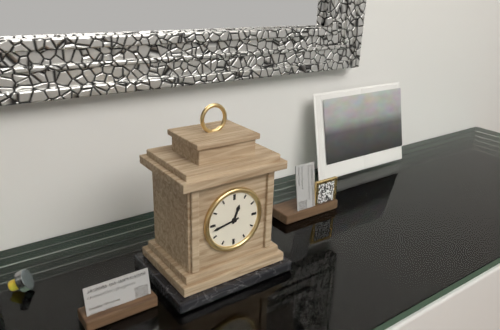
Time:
12:43
